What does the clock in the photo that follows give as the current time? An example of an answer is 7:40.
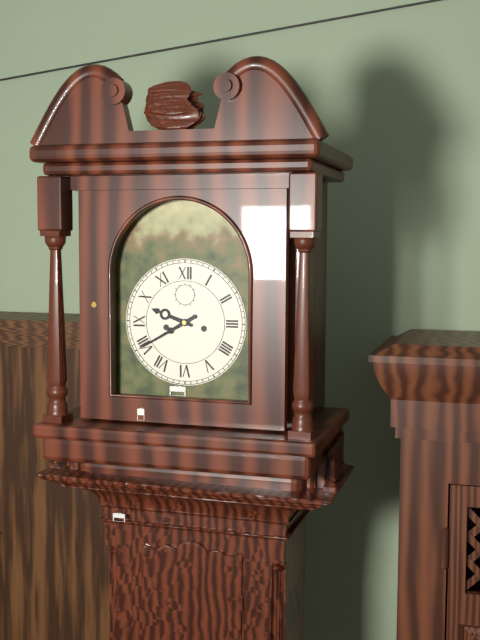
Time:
9:40
